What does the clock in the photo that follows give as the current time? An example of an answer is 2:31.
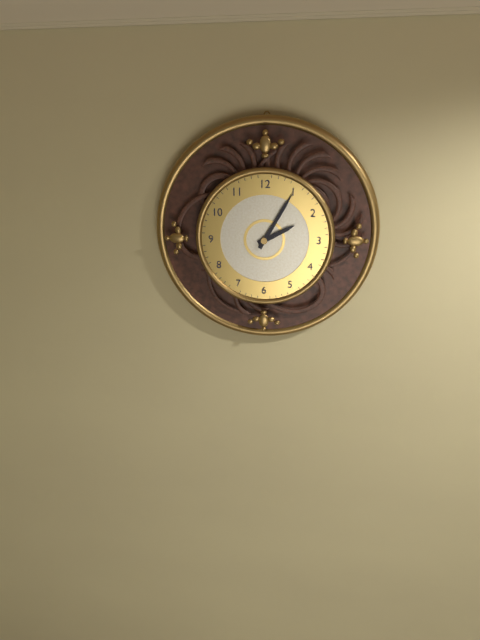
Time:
2:05
